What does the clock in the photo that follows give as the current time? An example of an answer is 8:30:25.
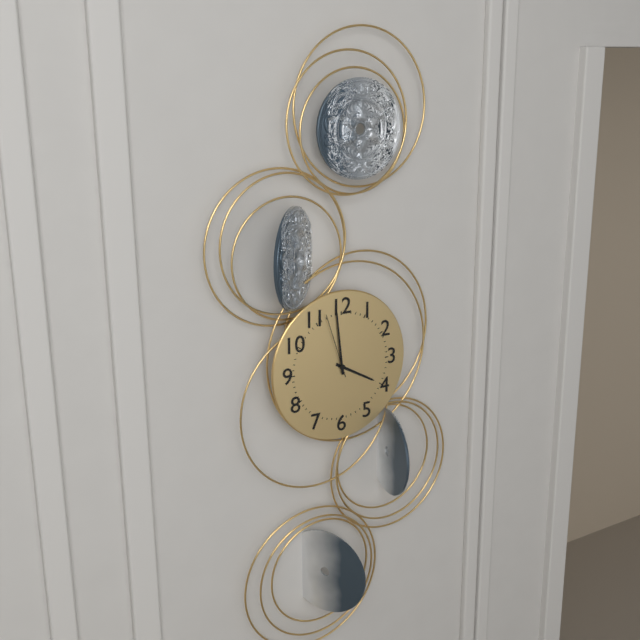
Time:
3:59:57
